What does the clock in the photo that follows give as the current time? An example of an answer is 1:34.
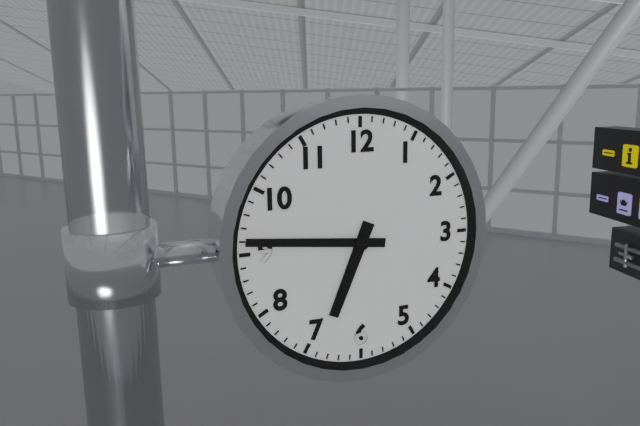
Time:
6:46
